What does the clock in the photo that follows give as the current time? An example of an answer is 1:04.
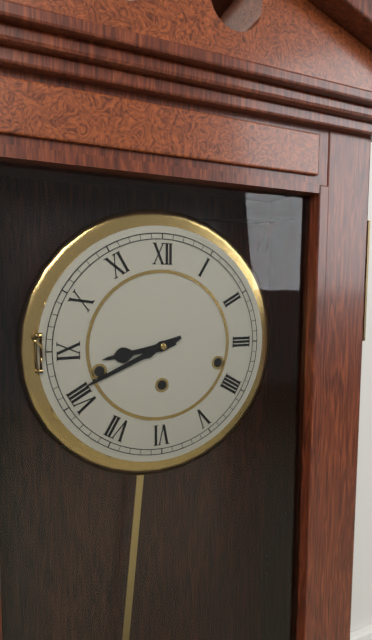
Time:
8:41
